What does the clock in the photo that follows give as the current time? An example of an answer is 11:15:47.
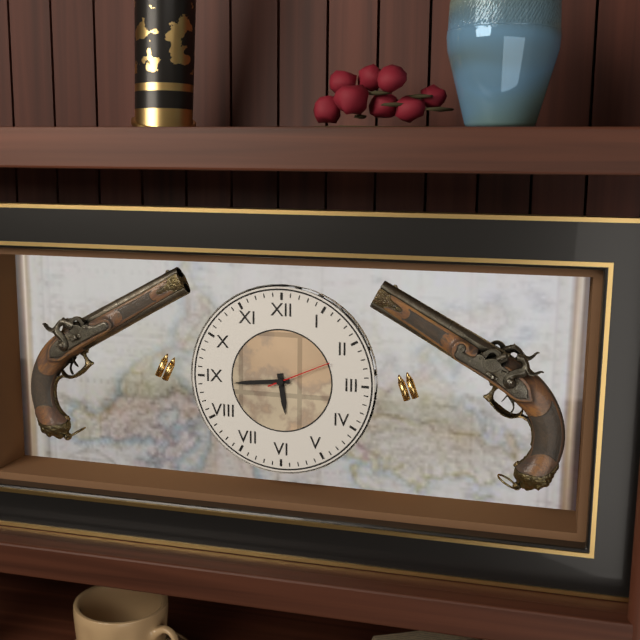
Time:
5:44:11
